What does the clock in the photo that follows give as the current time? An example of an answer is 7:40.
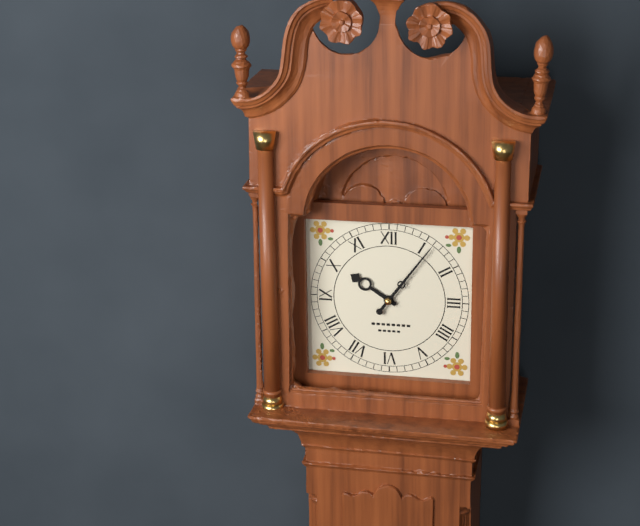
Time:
10:06
